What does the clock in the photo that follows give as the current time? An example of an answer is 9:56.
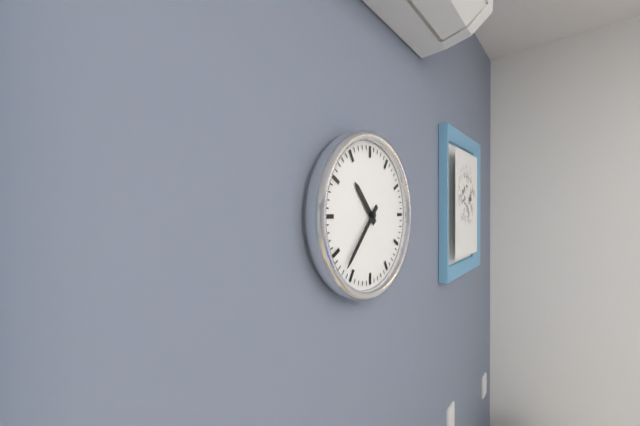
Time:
10:37
